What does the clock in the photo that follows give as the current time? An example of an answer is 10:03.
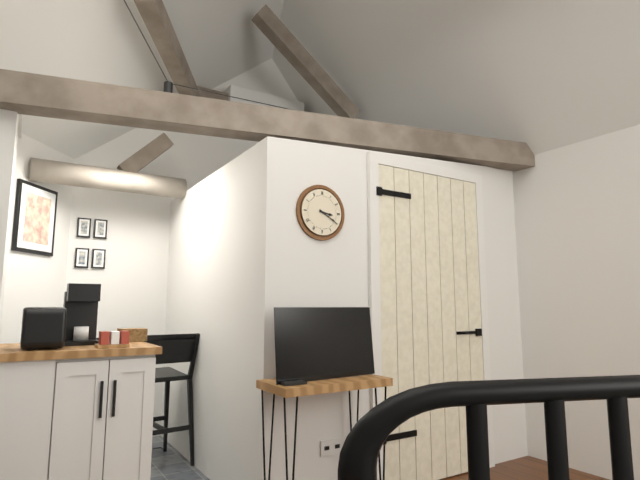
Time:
3:20
